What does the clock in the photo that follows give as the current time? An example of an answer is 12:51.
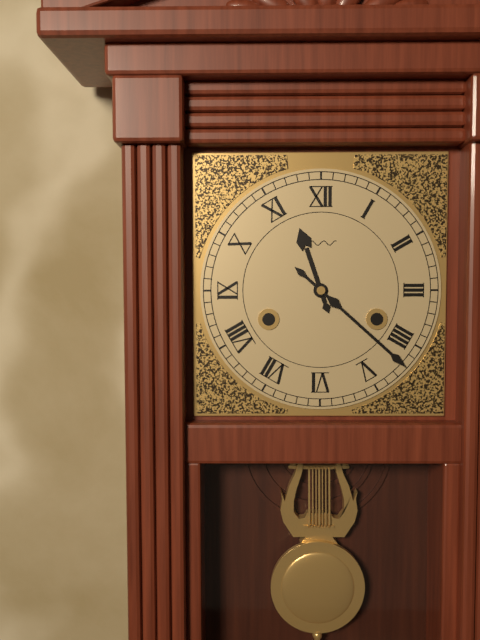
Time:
11:22
